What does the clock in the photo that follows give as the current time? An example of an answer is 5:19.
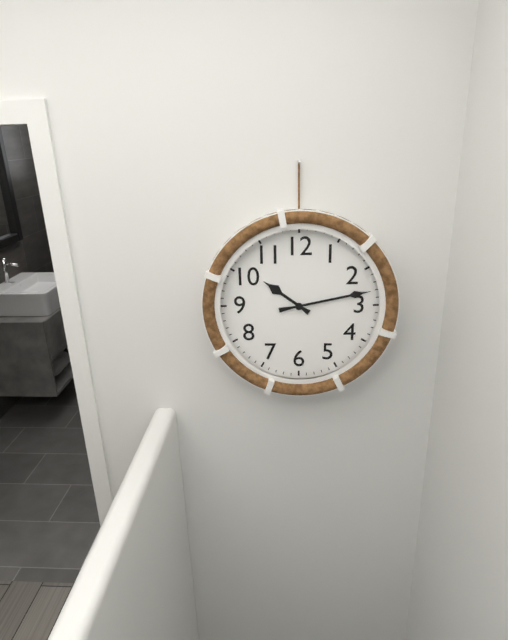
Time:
10:13
